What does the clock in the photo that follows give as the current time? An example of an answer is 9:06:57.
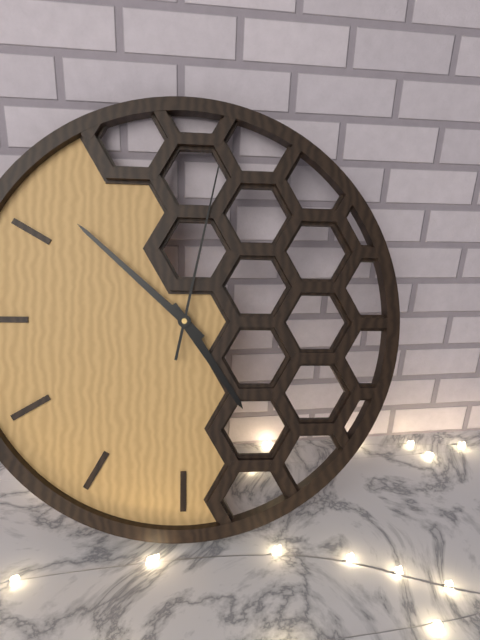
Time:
4:52:02
